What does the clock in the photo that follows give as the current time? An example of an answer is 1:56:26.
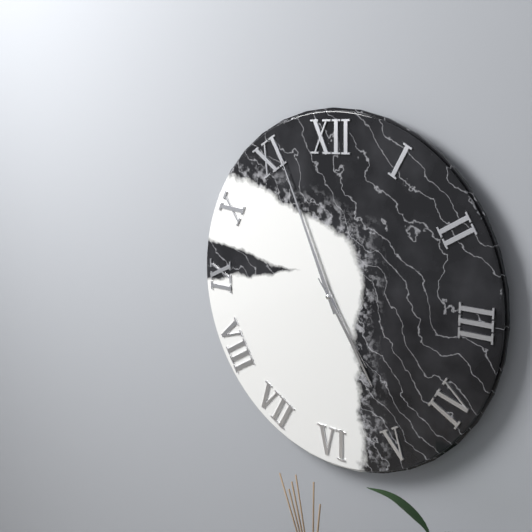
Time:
4:56:24
